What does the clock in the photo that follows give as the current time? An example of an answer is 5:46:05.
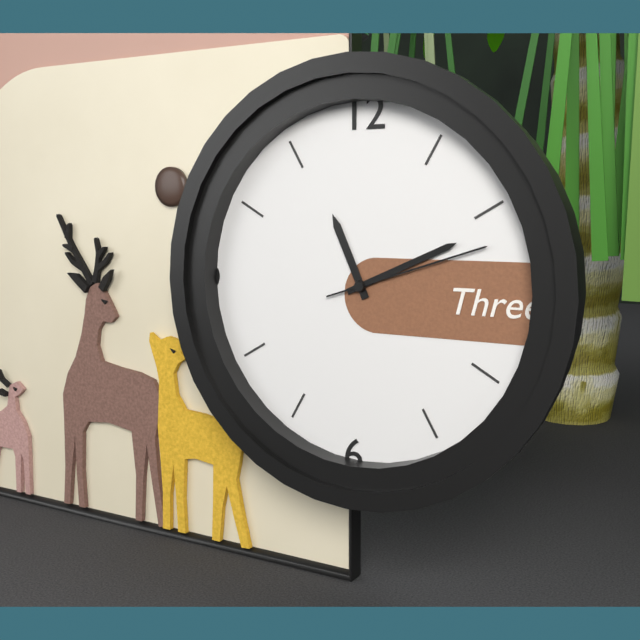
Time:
11:11:12
